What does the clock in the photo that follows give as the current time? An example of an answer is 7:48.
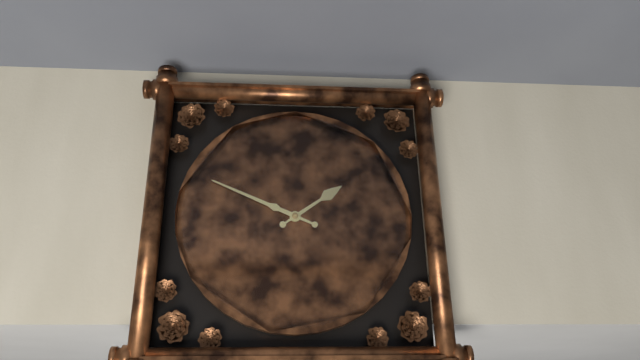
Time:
1:49
